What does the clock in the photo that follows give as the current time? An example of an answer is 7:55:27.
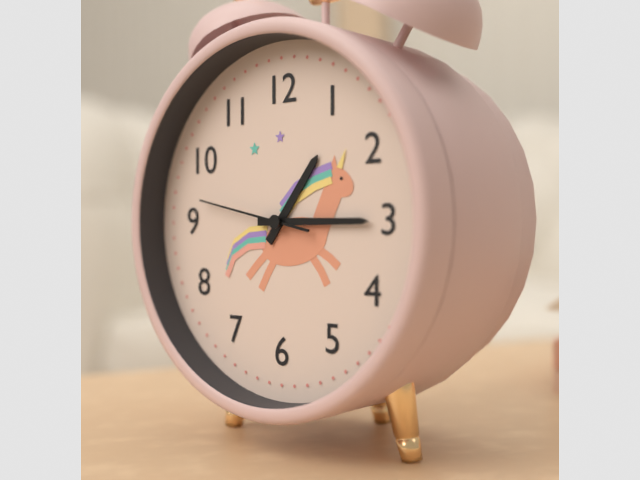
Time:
1:15:47
